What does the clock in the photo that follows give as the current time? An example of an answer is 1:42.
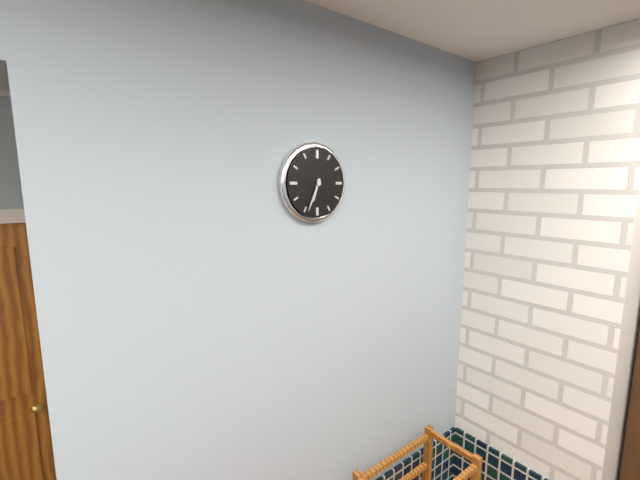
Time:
6:34
